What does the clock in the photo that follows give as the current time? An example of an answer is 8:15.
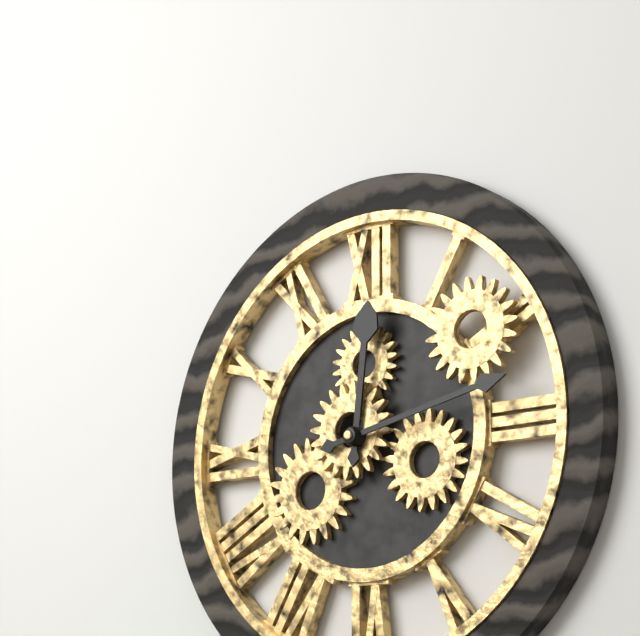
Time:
12:13
